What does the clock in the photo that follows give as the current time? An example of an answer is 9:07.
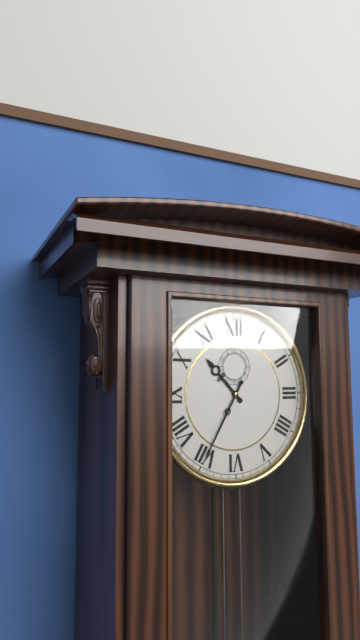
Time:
10:35
